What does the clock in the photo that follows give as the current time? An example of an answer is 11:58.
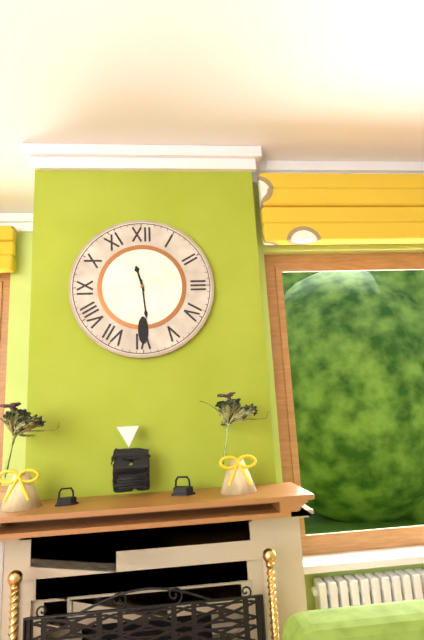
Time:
11:29
